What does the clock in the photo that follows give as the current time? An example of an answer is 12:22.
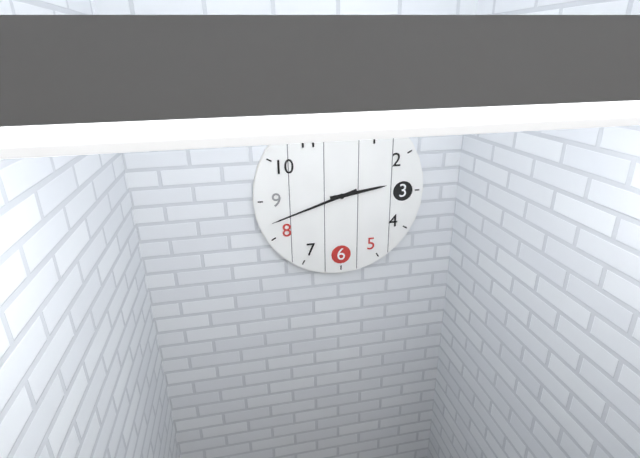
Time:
2:42
